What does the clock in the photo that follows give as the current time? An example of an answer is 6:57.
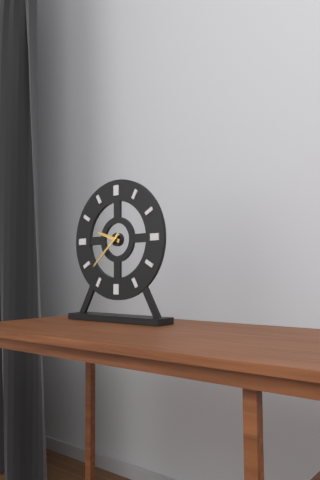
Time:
9:38
